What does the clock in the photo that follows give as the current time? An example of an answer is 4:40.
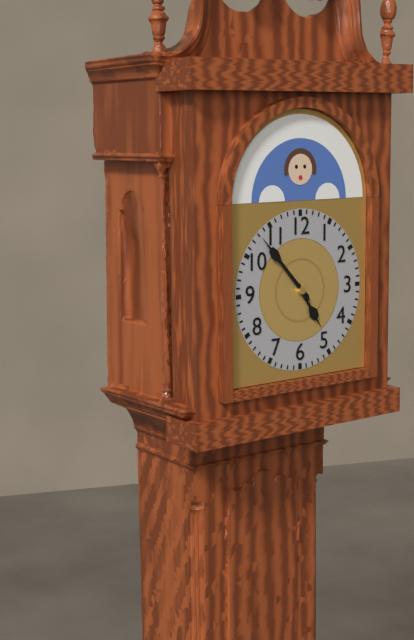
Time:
4:53
